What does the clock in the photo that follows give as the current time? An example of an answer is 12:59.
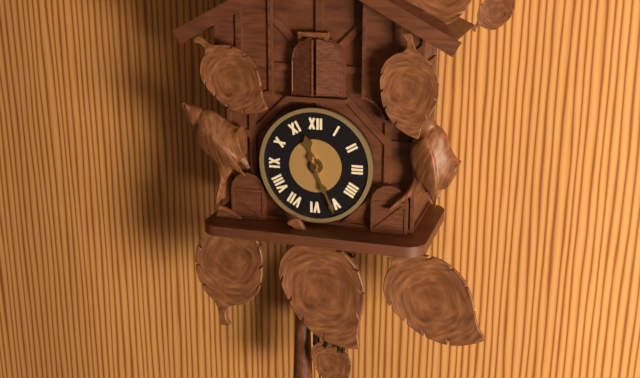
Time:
11:26
